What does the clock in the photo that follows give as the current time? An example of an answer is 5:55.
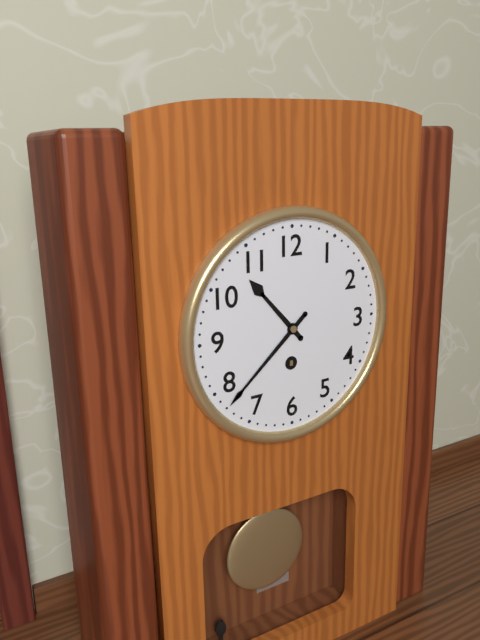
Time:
10:38
